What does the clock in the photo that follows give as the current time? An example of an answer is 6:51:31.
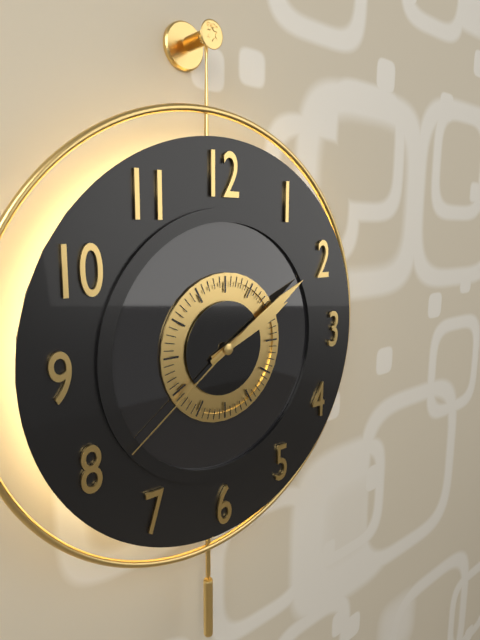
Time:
2:10:39
